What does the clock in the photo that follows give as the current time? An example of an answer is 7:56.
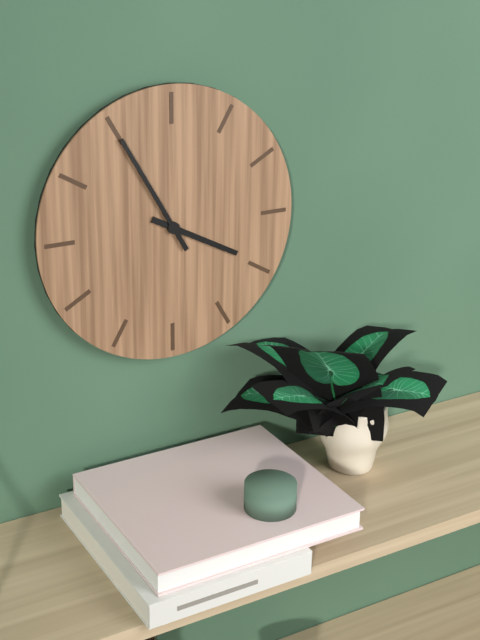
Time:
3:55
